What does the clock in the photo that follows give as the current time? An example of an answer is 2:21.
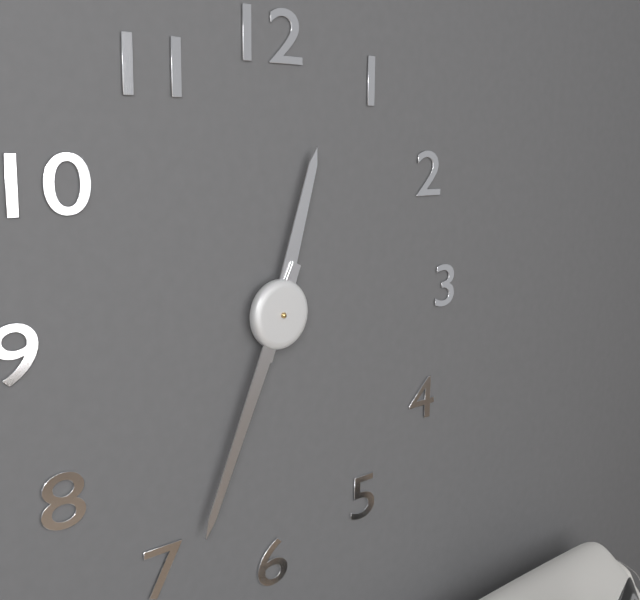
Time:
12:34
